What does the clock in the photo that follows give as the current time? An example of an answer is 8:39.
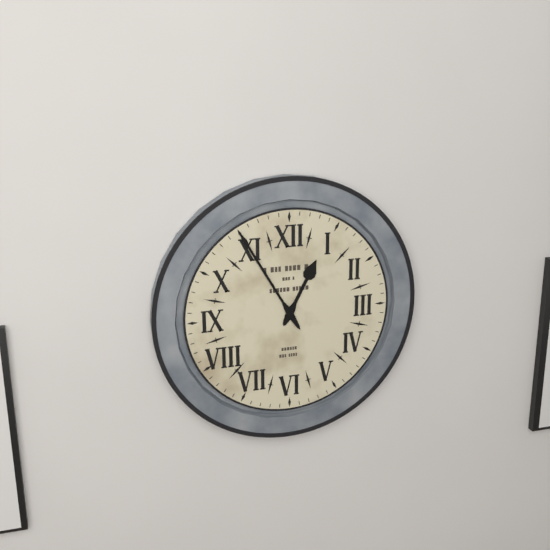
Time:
12:55
